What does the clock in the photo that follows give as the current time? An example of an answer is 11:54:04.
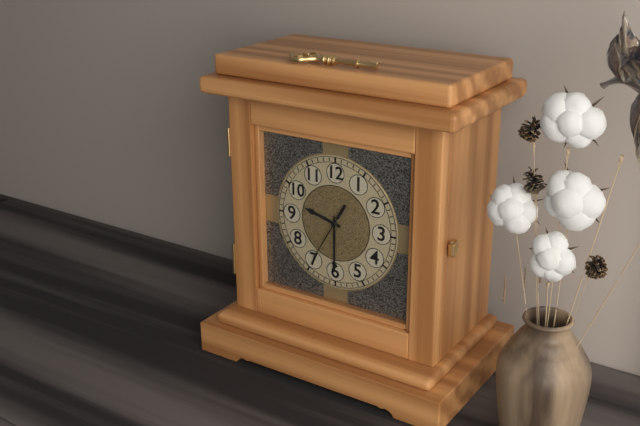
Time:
9:30:35
